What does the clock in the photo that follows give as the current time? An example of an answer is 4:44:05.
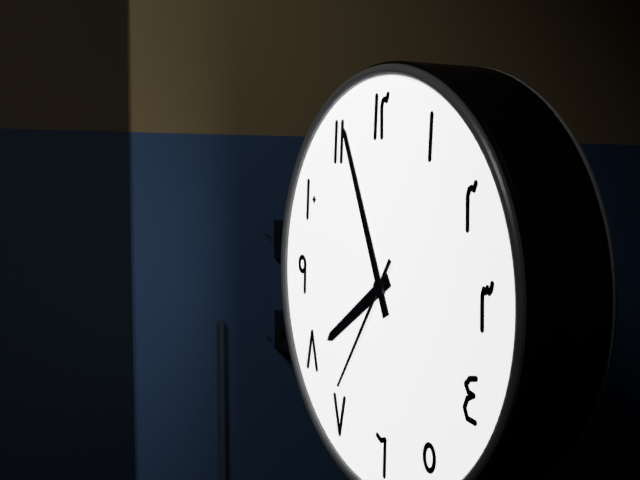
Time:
7:56:36
